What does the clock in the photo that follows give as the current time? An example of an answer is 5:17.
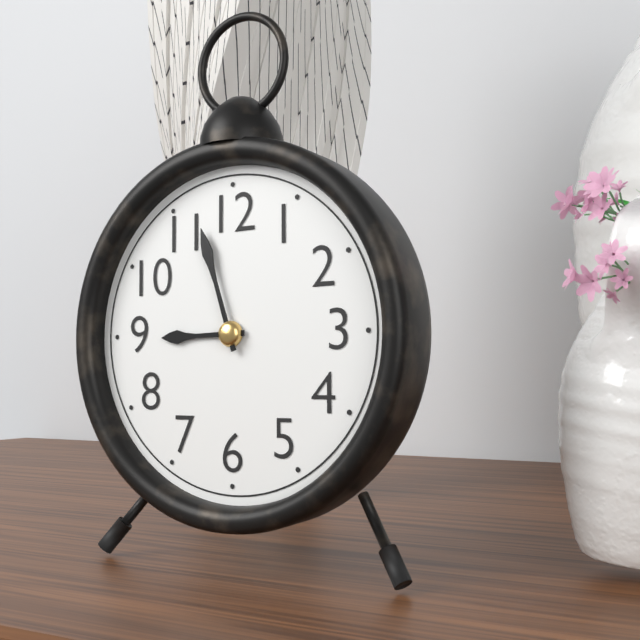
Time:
8:57
